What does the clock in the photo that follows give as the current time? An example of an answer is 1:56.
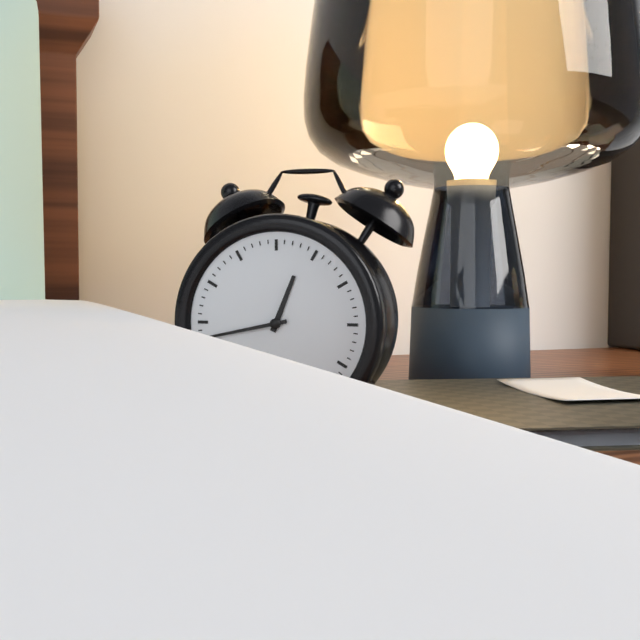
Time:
12:43
